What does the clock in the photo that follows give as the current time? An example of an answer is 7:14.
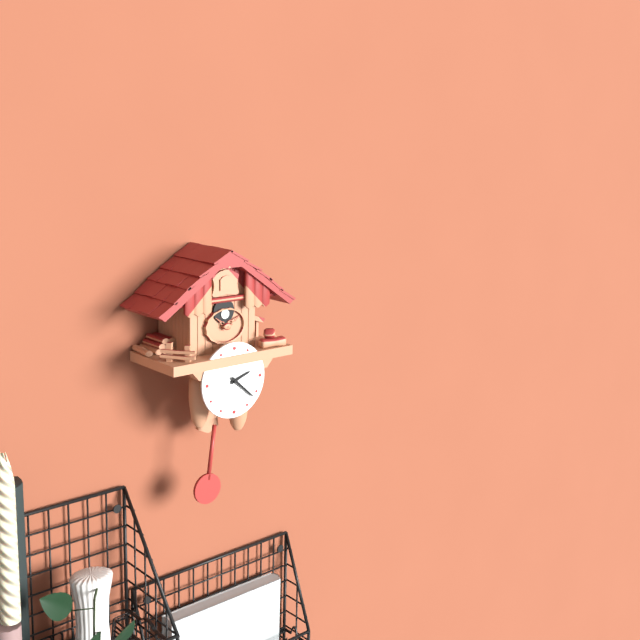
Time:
2:22
